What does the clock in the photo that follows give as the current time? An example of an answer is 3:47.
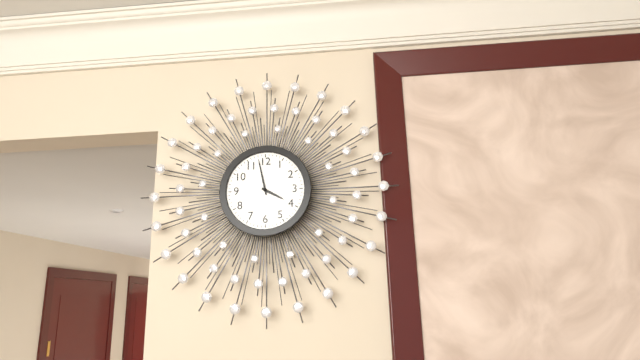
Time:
3:58
